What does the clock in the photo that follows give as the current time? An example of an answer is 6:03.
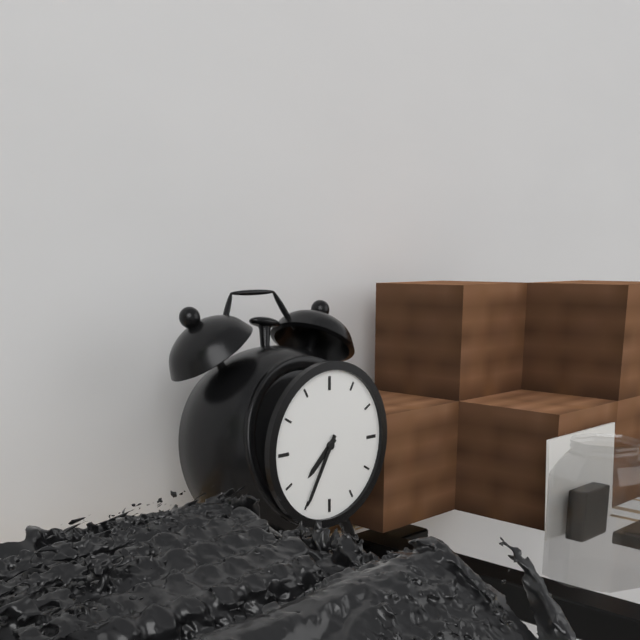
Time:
7:35
